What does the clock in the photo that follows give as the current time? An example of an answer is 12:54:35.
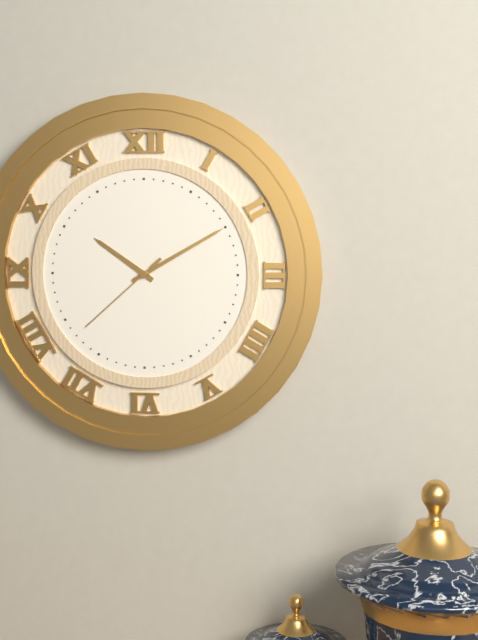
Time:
10:10:38
